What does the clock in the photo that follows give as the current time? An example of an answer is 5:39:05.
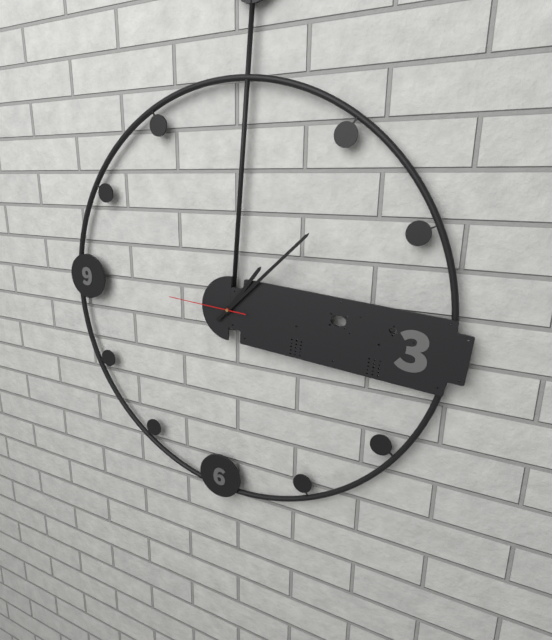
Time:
1:07:45
